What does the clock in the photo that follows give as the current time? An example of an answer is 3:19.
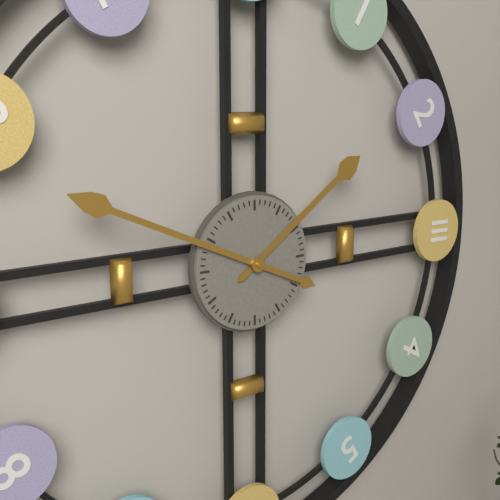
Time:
1:49
